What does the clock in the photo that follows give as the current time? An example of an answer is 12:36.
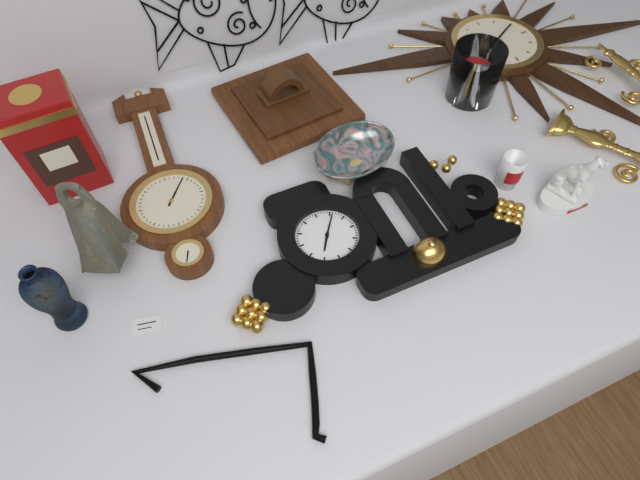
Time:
7:06
